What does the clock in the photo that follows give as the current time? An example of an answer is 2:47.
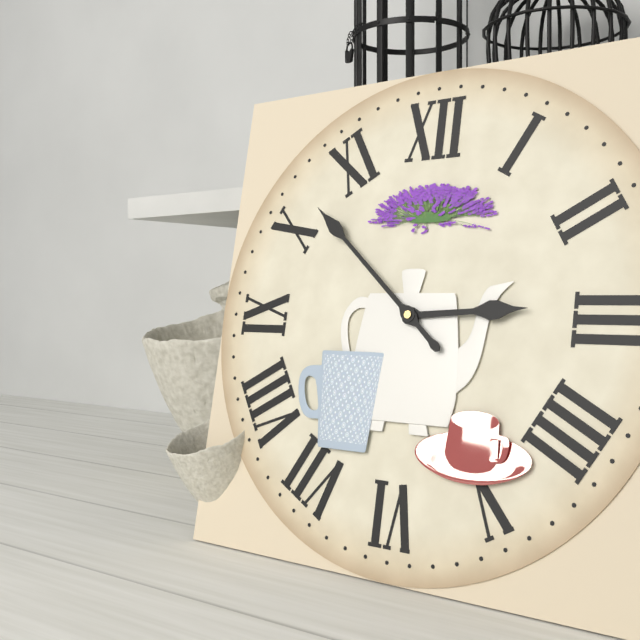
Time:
2:52
